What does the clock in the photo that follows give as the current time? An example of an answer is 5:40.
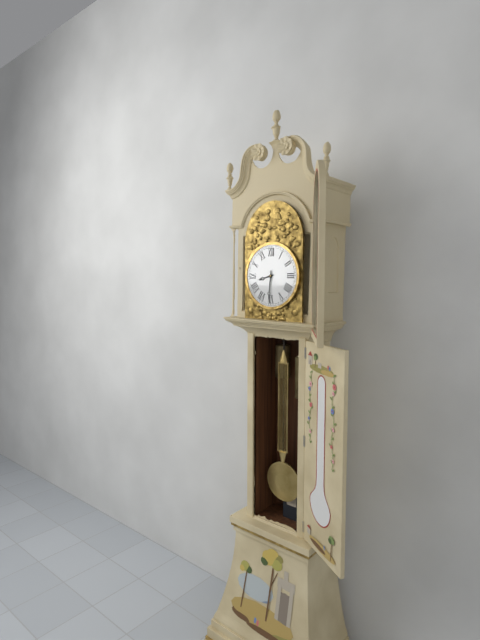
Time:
8:31
